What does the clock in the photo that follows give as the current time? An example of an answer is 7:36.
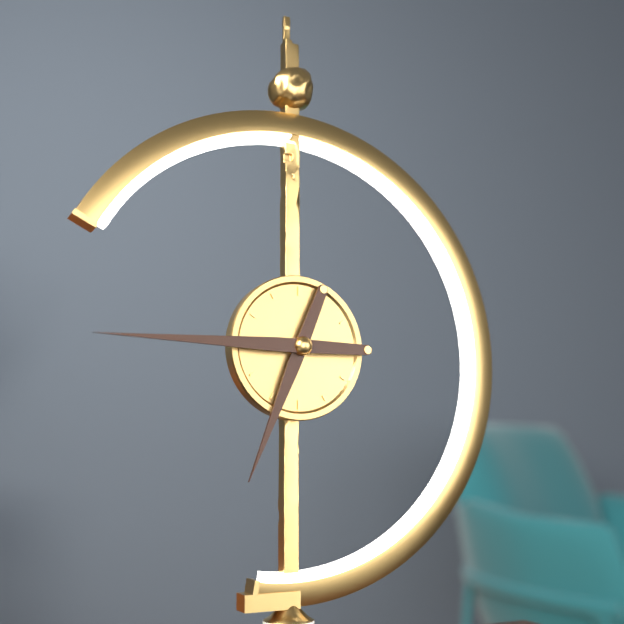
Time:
6:45
